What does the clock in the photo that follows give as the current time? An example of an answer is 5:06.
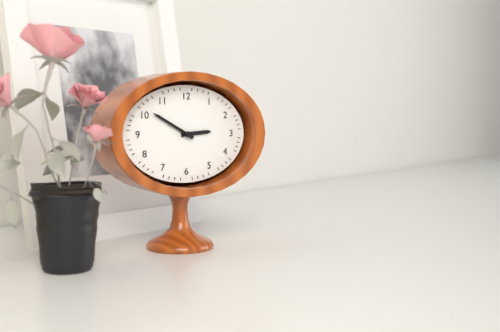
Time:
2:50
